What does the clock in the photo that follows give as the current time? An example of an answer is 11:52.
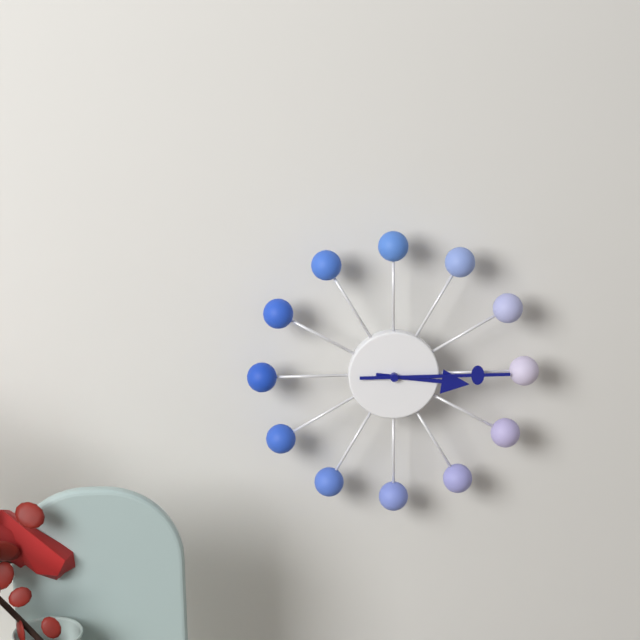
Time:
3:15
